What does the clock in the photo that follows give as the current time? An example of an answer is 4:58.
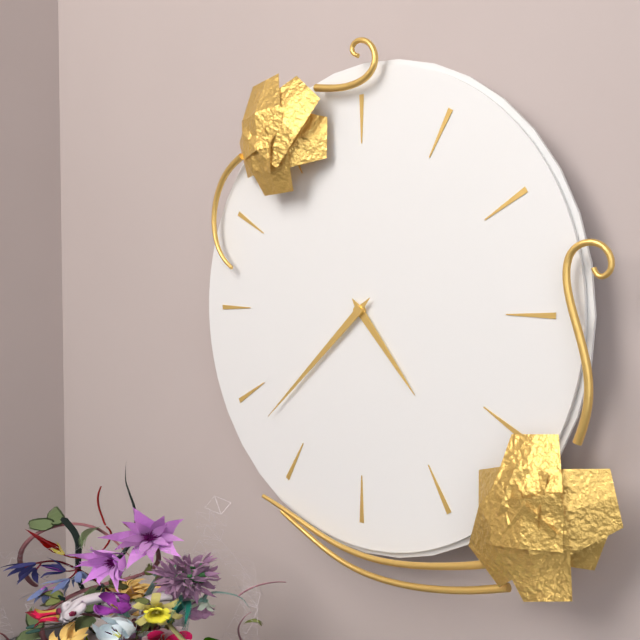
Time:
4:38
